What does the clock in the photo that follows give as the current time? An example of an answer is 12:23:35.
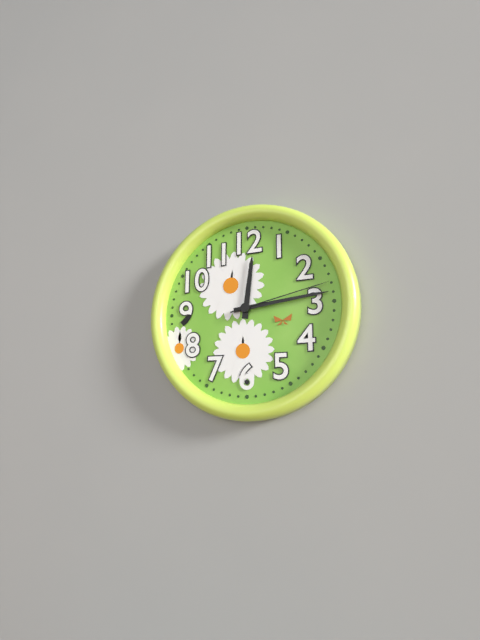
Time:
12:14:13
